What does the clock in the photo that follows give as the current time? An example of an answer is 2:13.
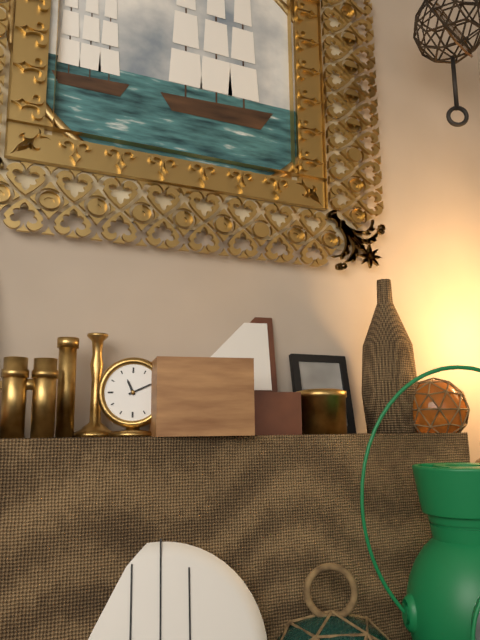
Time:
11:11
